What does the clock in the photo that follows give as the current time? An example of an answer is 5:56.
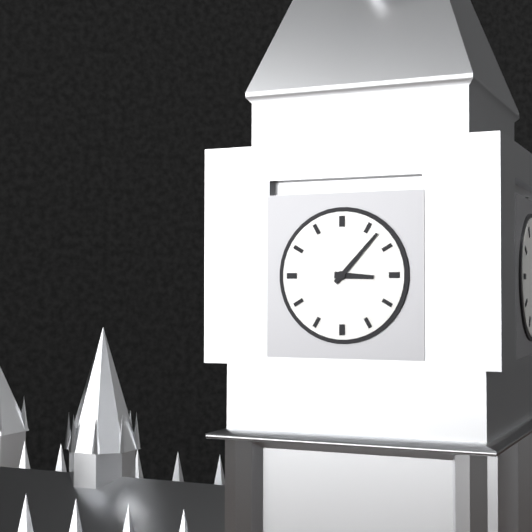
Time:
3:07
